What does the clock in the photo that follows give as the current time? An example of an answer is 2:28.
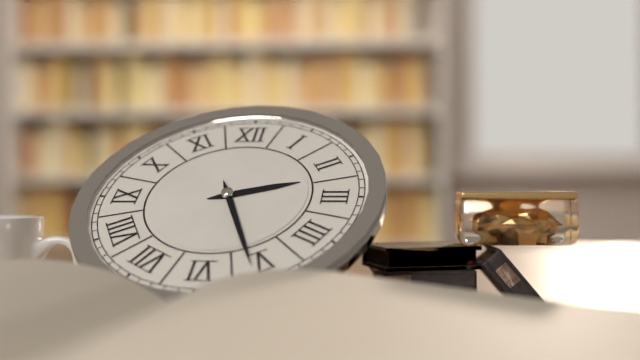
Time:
2:26
